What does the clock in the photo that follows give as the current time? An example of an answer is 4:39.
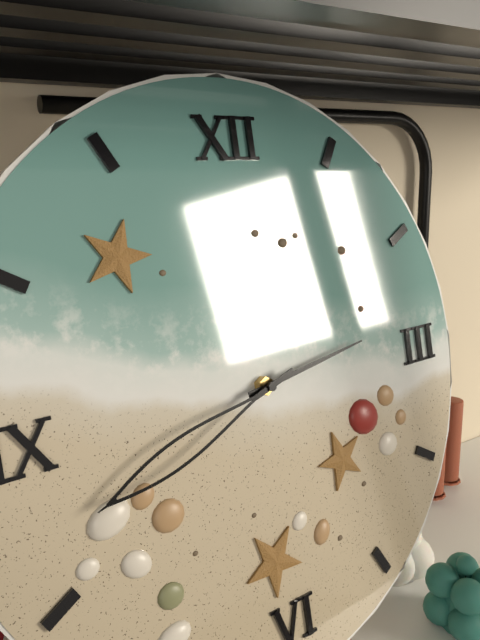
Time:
2:42
